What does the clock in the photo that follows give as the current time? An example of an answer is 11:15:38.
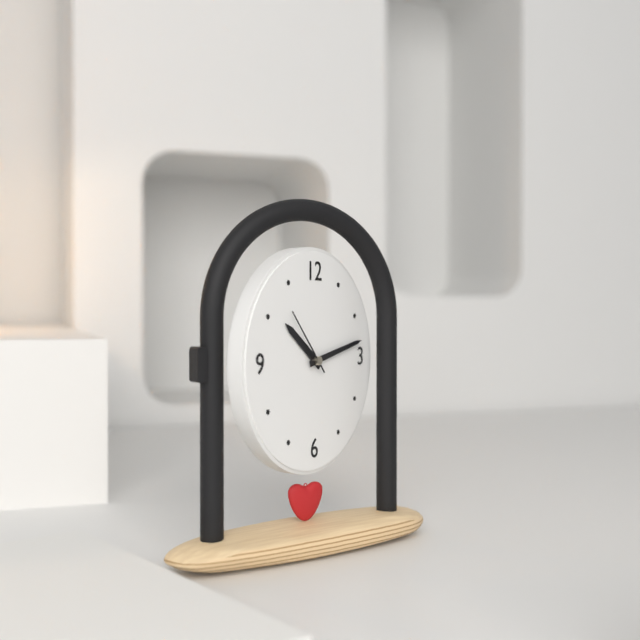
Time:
10:13:53
